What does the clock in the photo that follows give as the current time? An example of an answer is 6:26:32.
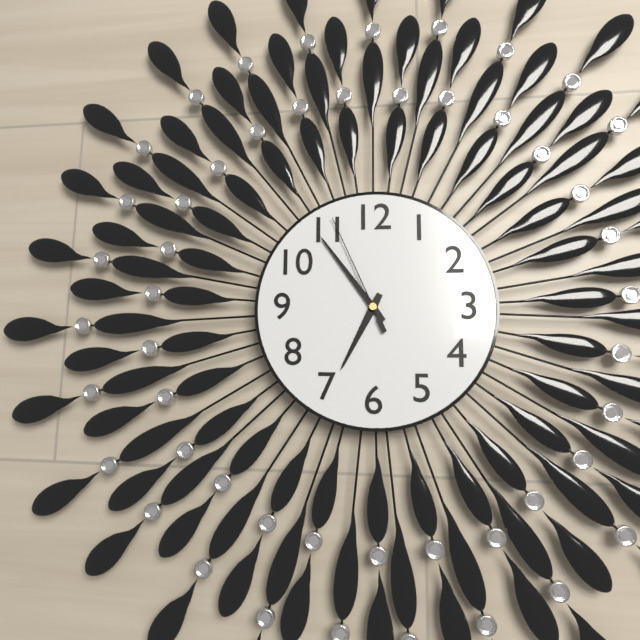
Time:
6:54:56
